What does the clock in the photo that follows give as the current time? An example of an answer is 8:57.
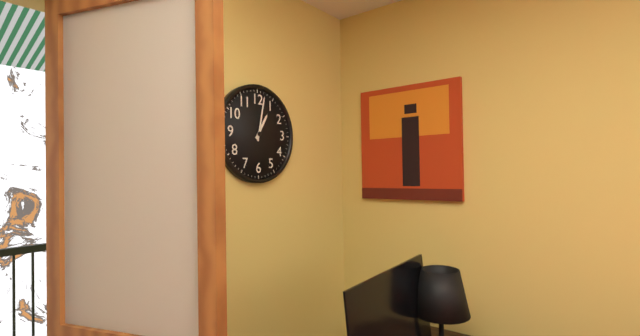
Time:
1:02
